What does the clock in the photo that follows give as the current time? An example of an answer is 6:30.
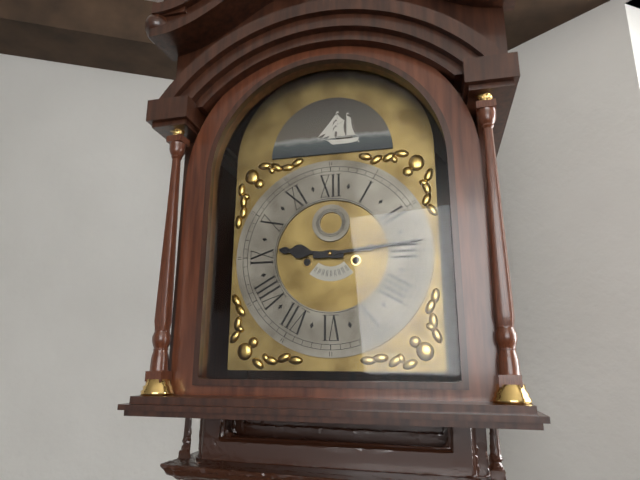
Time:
9:14
